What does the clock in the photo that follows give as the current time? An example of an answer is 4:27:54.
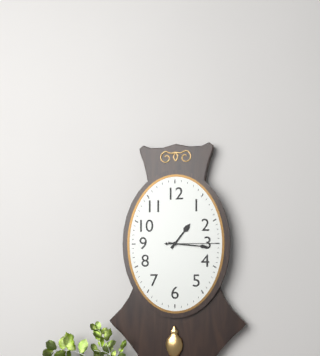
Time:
1:16:15
